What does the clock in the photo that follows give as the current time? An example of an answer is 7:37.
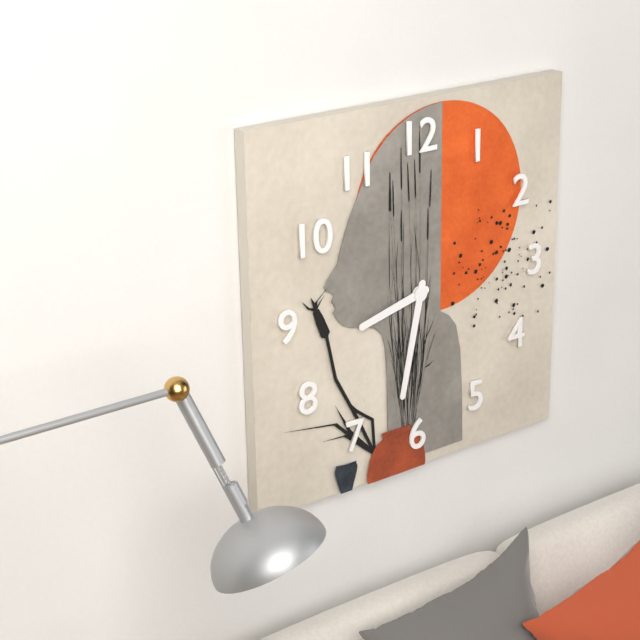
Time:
8:32
